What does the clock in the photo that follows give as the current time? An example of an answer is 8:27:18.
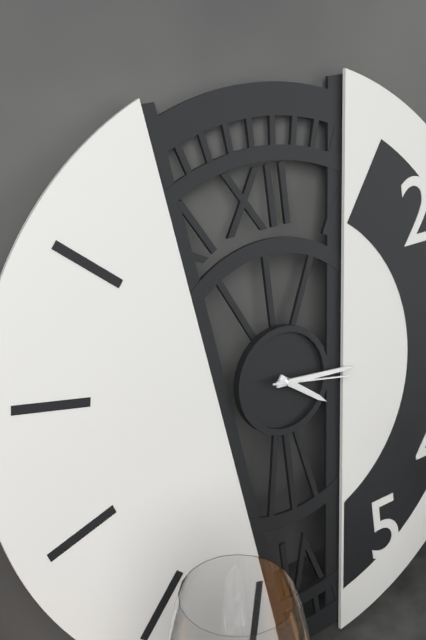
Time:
4:16:17
